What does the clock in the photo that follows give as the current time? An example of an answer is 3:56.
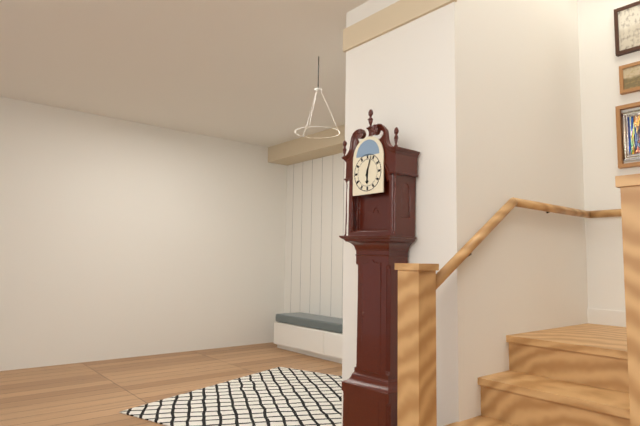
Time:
6:03
